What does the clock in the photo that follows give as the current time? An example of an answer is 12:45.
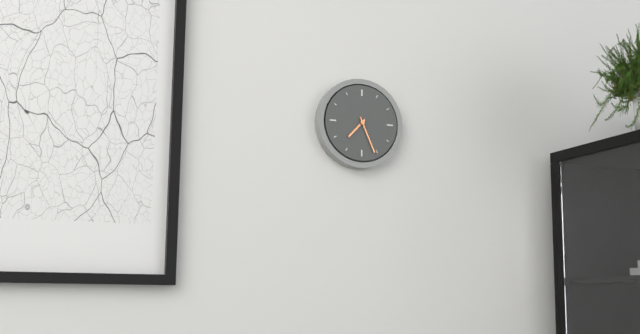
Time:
7:26
